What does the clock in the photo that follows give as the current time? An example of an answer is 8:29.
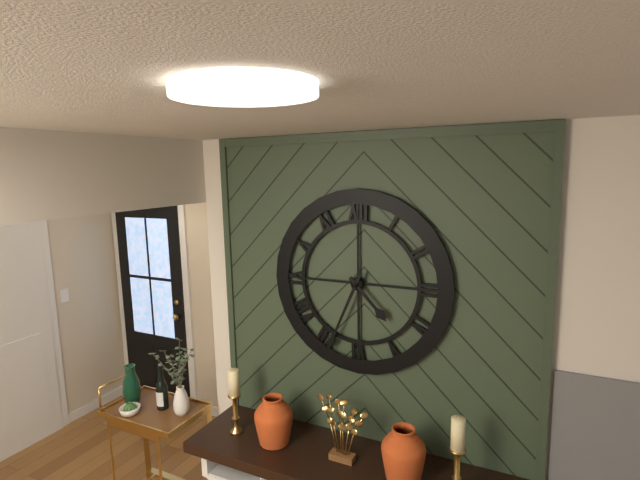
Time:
4:34
